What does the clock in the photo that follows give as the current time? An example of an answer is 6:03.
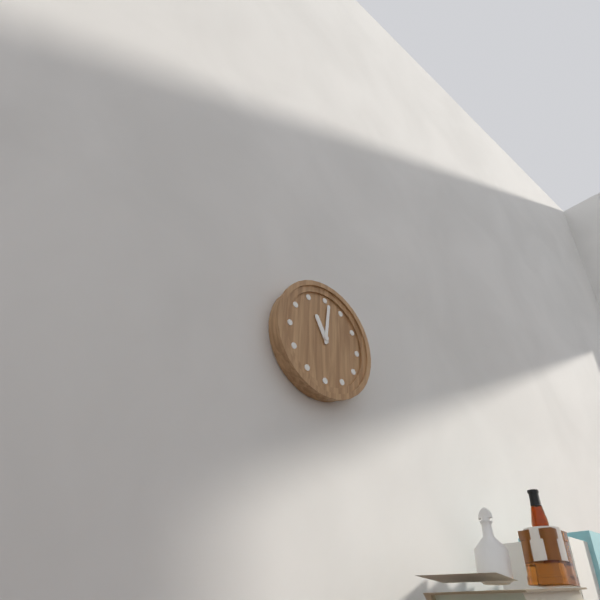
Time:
11:01
